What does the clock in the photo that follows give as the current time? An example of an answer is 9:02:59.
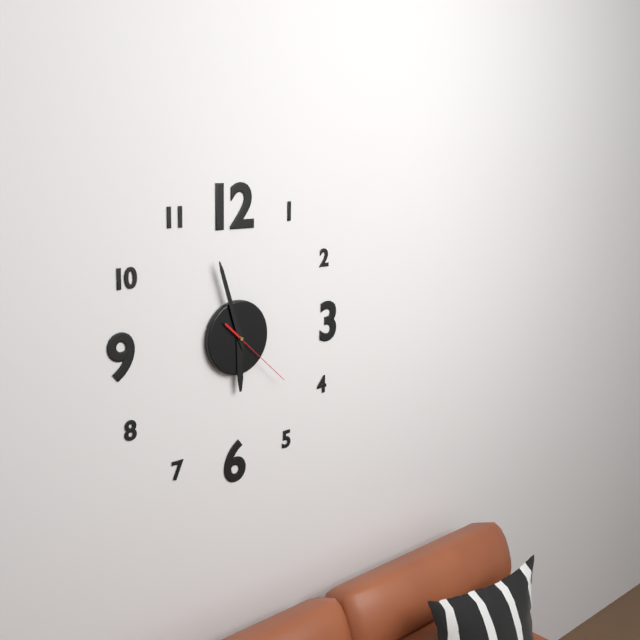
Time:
5:57:22
